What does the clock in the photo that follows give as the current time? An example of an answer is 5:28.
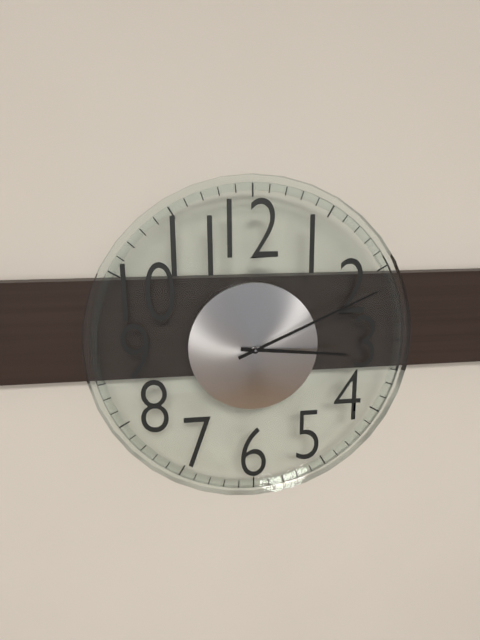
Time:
3:11
